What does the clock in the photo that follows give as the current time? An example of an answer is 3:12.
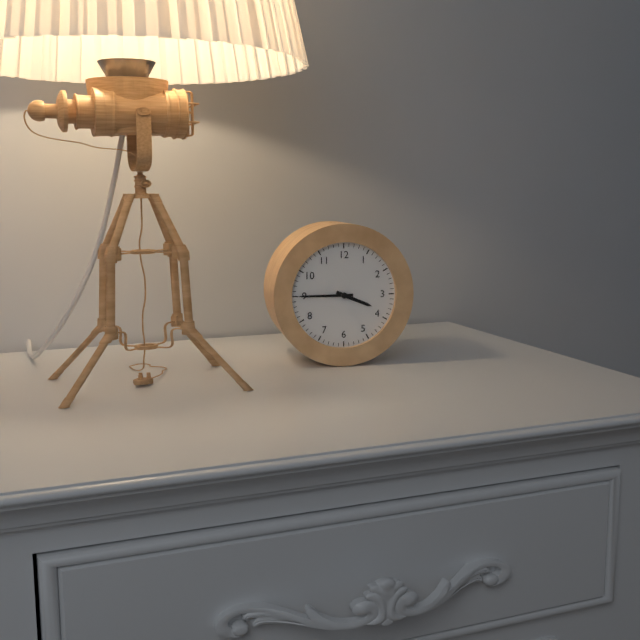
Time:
3:45
